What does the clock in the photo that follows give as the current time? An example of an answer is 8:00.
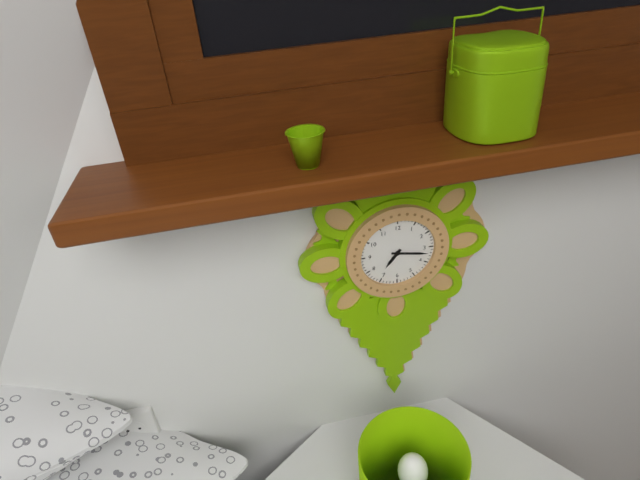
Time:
7:17
